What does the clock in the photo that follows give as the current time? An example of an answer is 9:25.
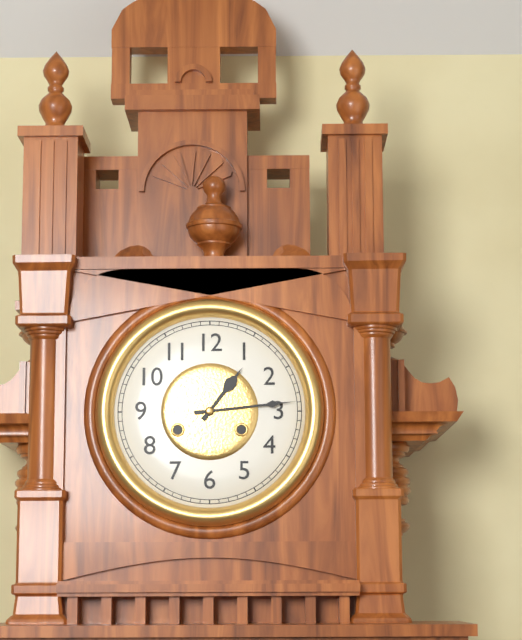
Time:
1:14
